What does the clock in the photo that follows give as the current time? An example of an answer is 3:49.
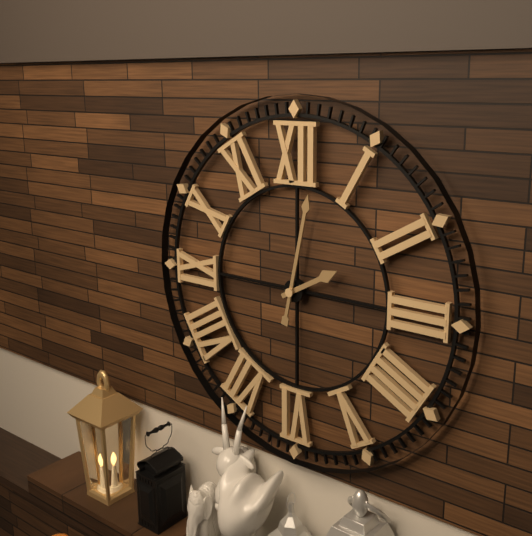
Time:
2:02
